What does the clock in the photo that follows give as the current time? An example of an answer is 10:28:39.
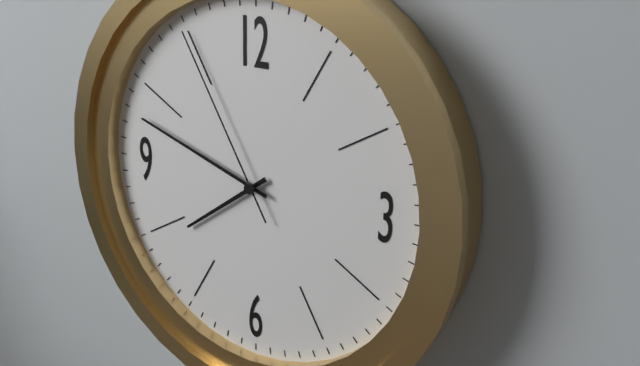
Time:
7:48:55
